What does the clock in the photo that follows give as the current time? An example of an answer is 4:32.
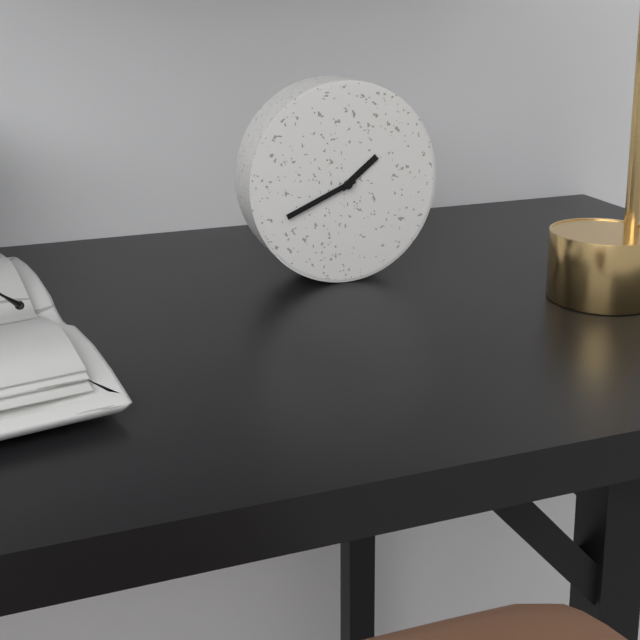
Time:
1:41
